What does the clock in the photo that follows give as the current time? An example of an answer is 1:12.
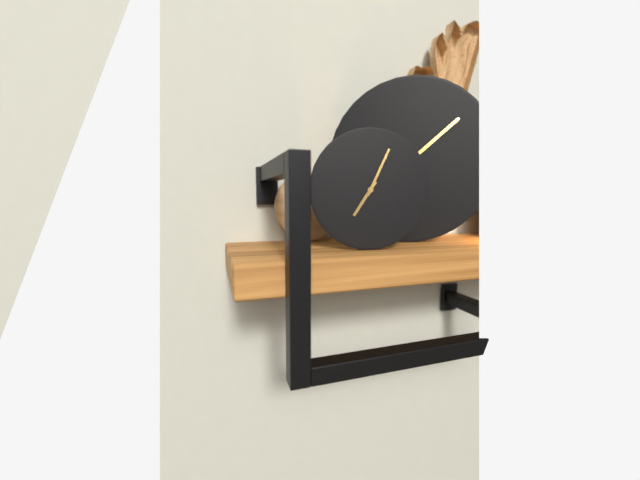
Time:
7:04
